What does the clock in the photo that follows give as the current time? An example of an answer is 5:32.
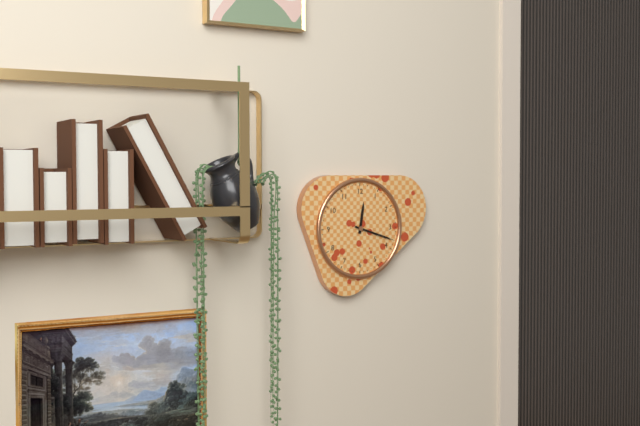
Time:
12:18
